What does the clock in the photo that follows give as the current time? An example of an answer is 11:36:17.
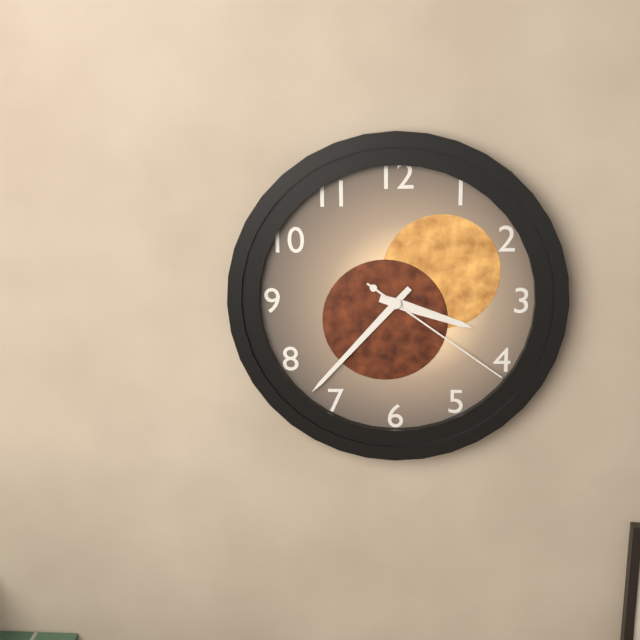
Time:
3:37:21
